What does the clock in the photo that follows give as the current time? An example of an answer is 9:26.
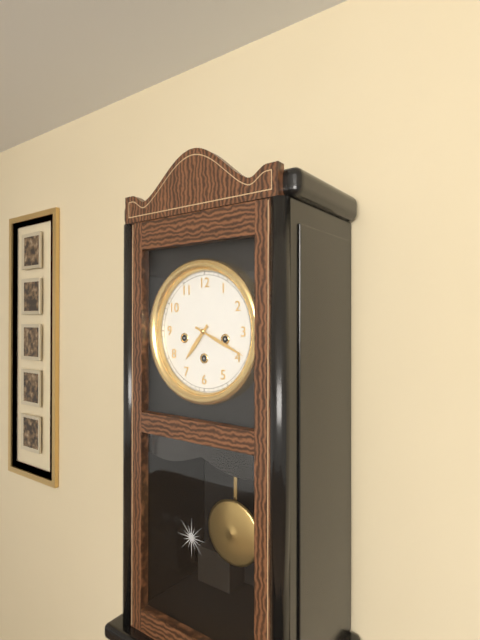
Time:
7:19
